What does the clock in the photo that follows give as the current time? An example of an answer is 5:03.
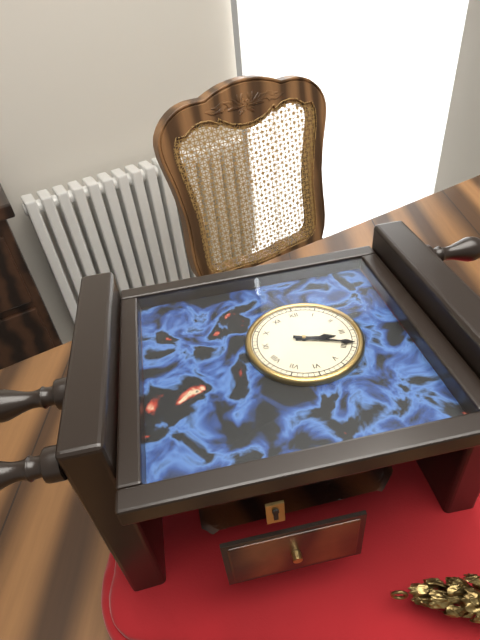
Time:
3:19
